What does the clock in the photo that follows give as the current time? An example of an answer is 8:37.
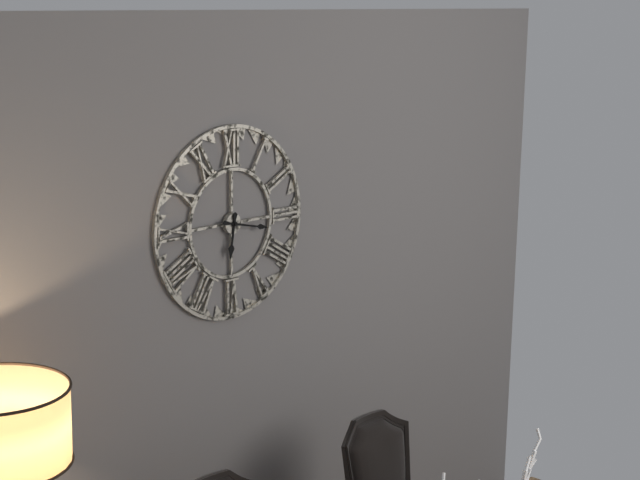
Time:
6:17
